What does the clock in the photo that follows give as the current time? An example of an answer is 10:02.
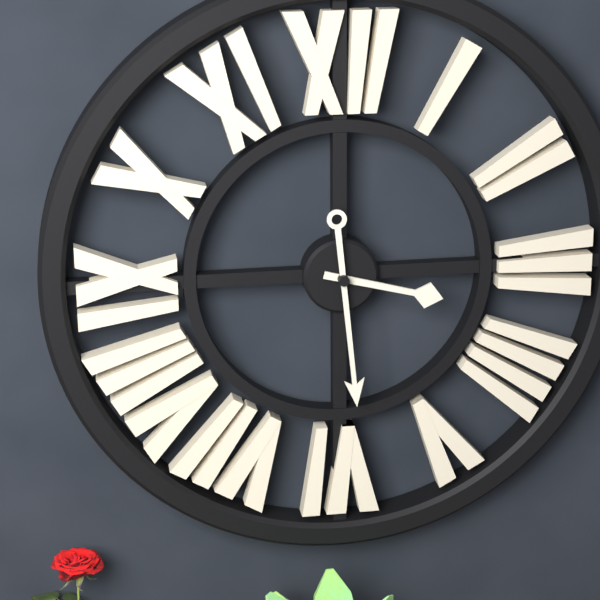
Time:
3:29
